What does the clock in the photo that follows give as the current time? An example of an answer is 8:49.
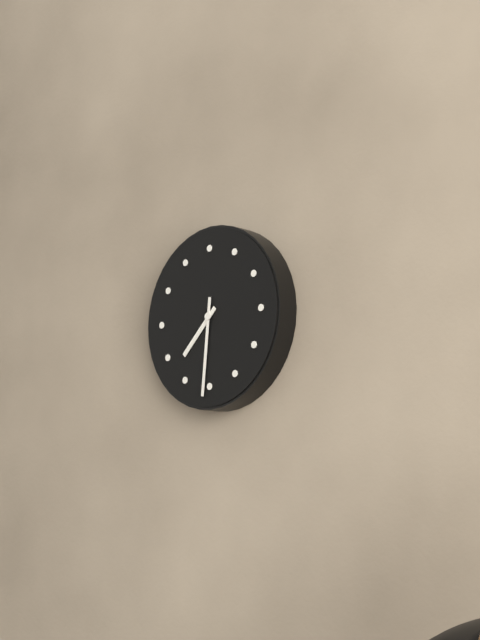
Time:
7:31
